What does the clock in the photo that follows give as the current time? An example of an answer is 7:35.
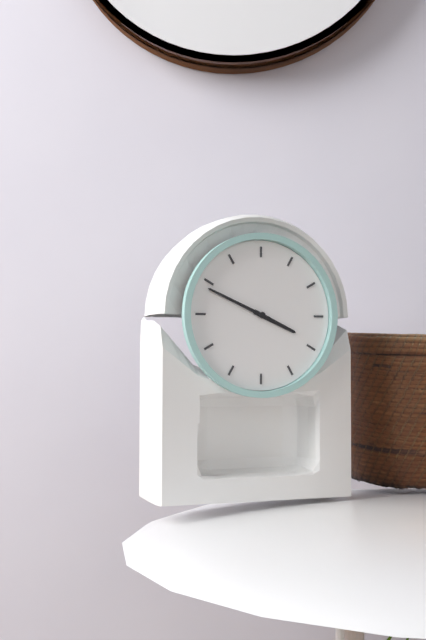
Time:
3:49
